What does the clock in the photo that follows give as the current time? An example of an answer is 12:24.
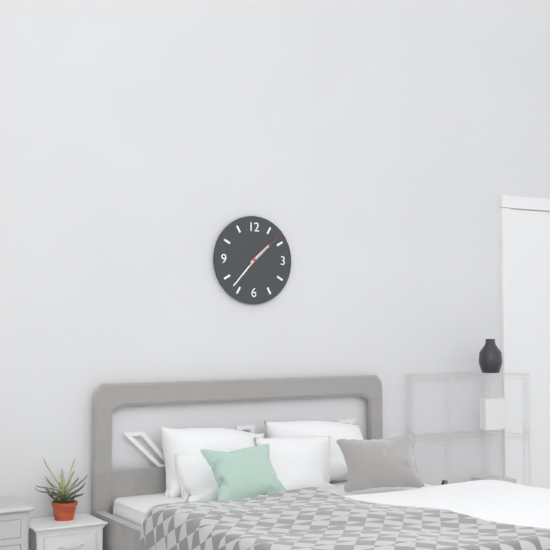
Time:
1:37
